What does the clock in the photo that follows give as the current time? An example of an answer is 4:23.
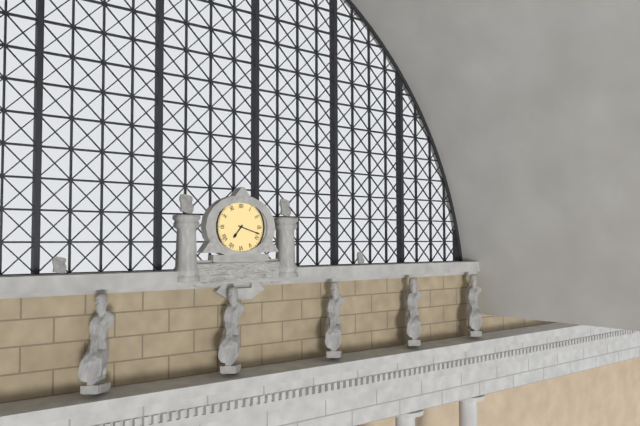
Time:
7:18
